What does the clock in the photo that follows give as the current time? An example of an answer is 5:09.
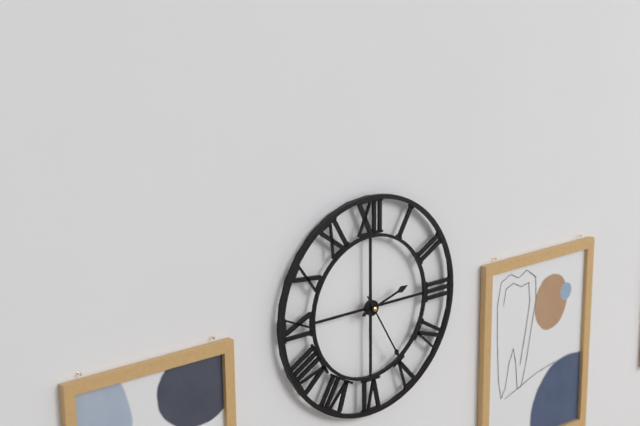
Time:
2:25
